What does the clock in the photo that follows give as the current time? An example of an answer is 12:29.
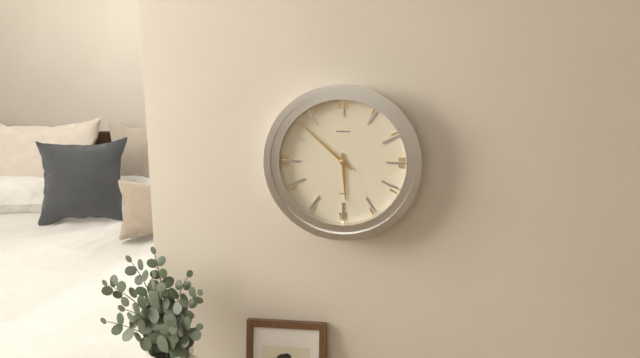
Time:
5:52
